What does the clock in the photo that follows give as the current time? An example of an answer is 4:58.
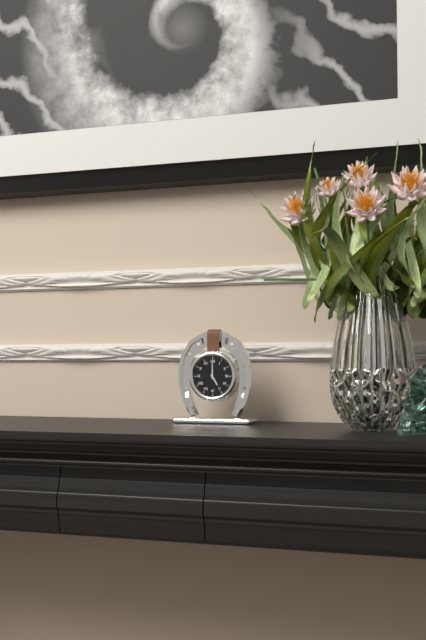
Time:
5:00
